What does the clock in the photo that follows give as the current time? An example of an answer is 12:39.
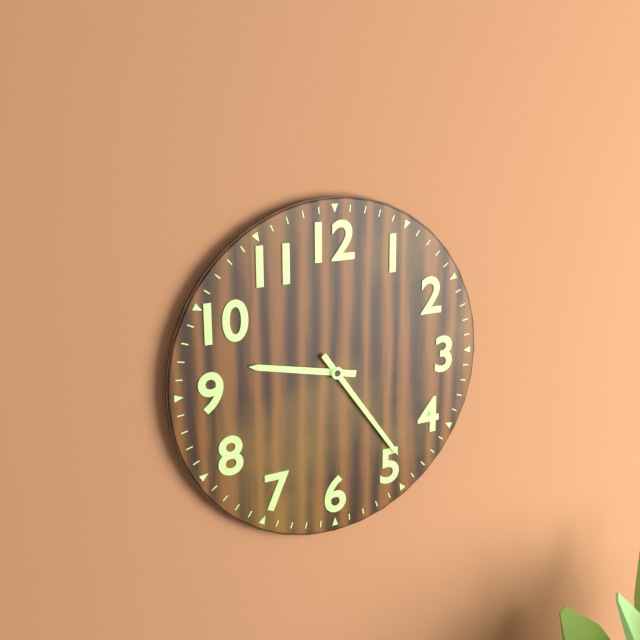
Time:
9:24
